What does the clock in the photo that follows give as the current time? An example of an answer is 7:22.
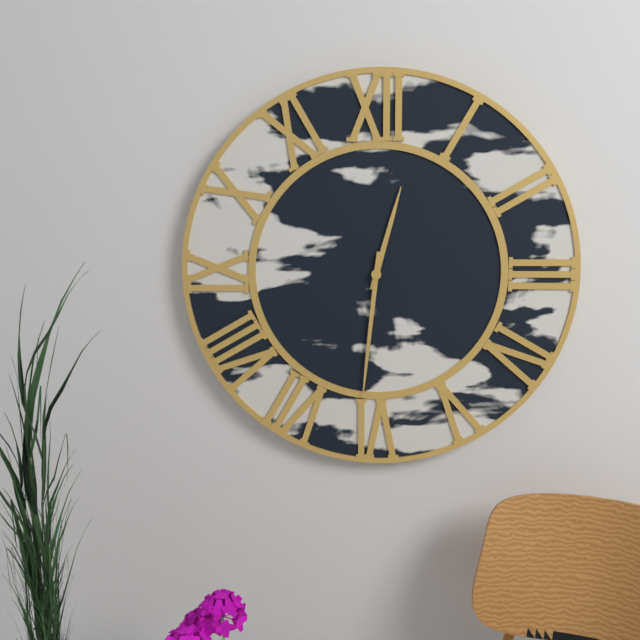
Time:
12:31
